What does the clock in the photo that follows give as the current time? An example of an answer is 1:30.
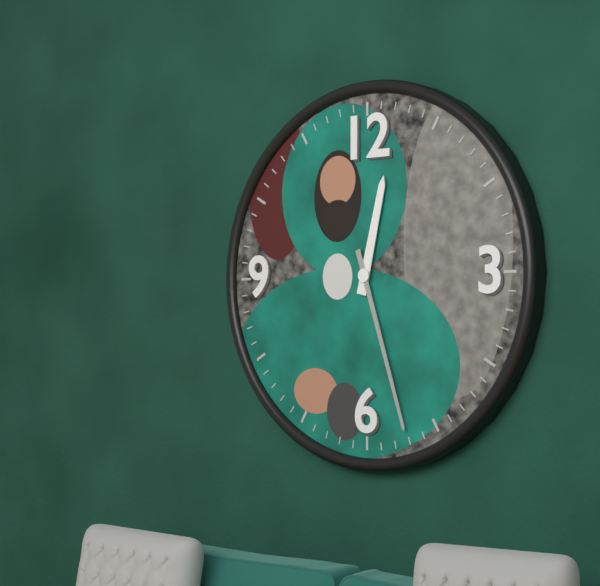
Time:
12:27
